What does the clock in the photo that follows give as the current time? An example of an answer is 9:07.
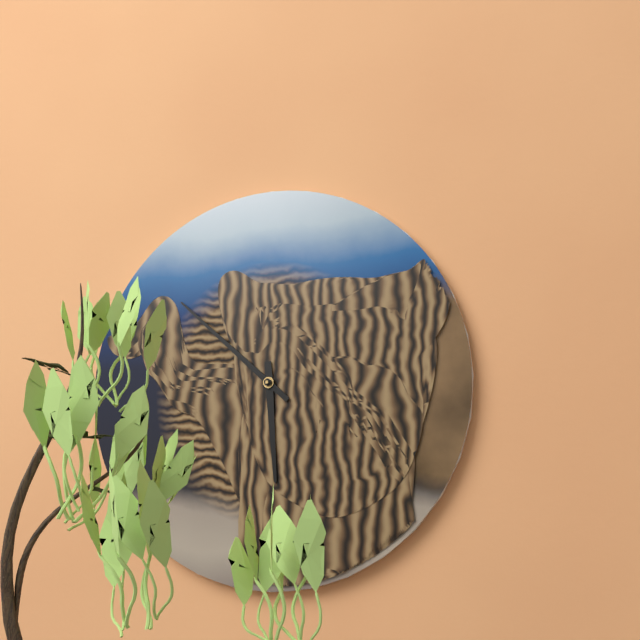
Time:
5:52
